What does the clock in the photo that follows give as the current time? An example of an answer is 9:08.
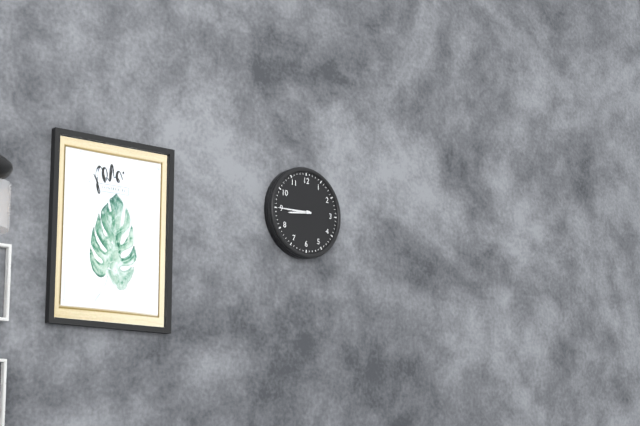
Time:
8:45
